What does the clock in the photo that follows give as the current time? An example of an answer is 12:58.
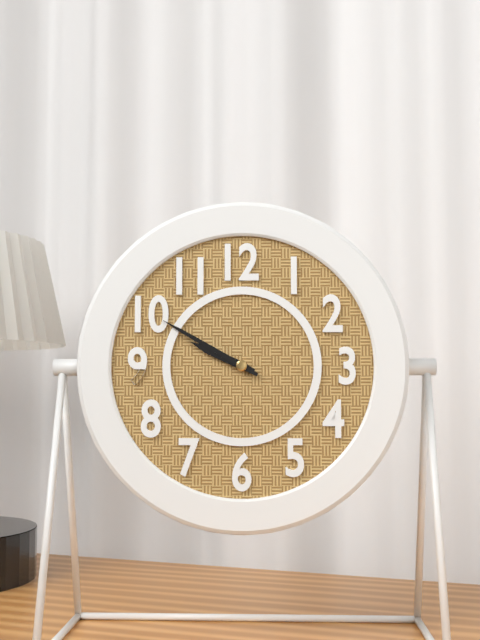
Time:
9:50
